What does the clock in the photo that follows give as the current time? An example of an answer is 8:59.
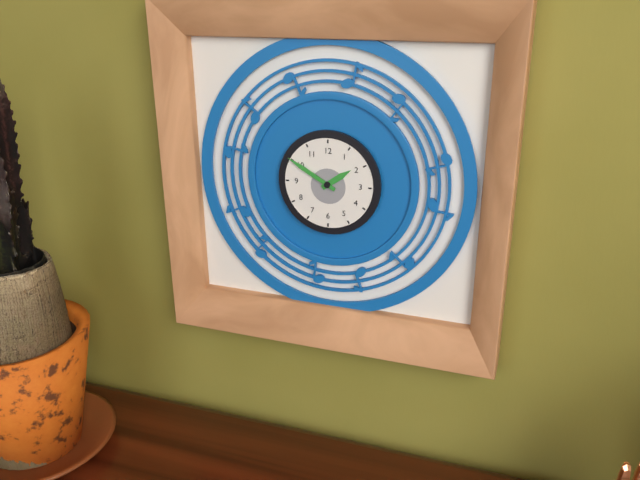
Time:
1:50
